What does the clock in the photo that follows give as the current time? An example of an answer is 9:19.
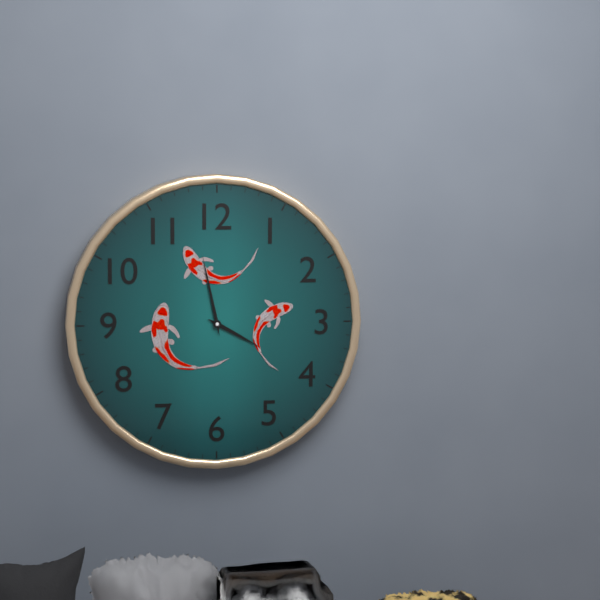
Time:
3:58
